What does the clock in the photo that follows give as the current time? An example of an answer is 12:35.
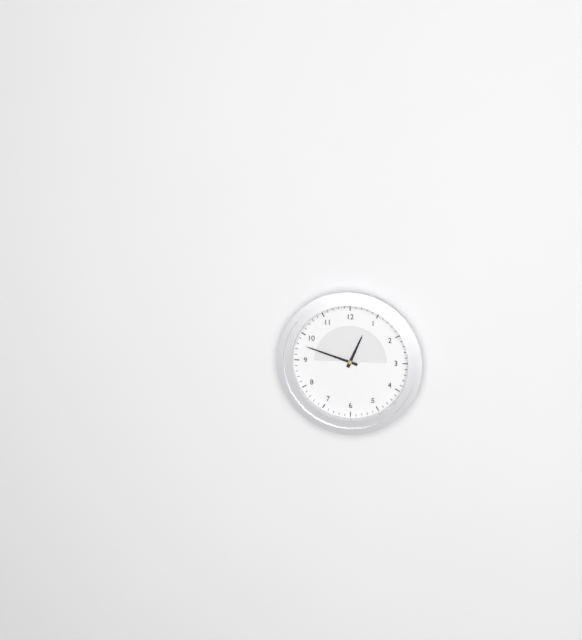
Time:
12:48
